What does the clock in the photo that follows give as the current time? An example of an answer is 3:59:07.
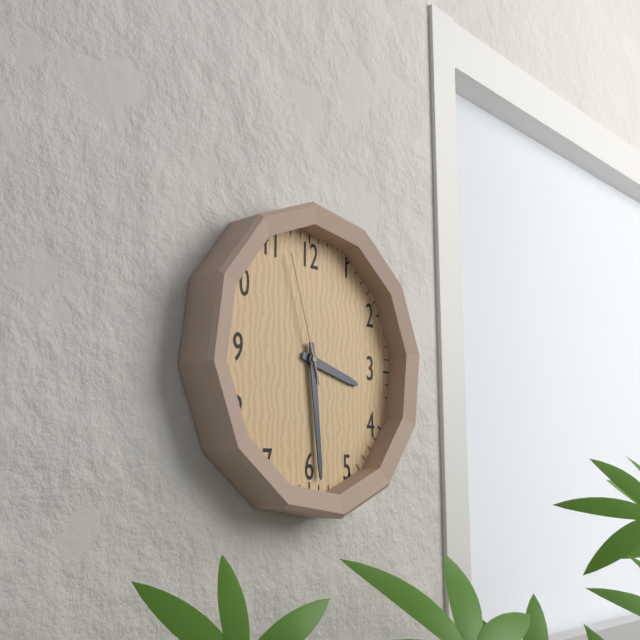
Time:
3:29:57
